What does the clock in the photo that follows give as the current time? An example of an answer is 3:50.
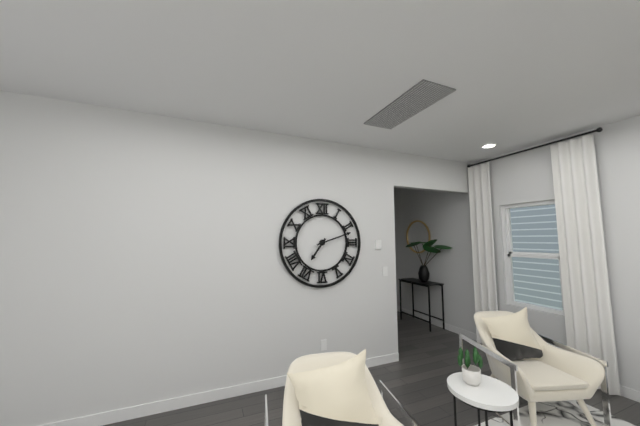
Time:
7:12
